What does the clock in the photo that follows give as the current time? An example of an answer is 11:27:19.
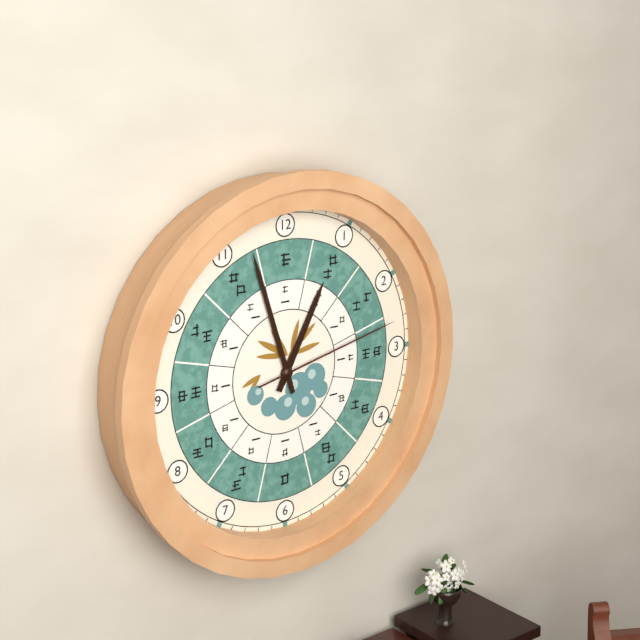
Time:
12:57:13
